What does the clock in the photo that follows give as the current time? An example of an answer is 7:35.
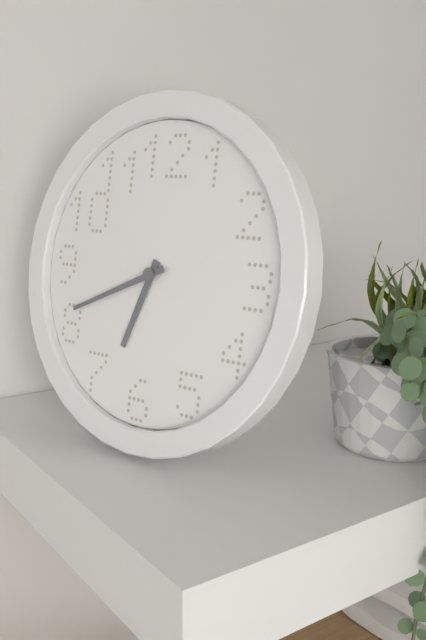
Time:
6:41
